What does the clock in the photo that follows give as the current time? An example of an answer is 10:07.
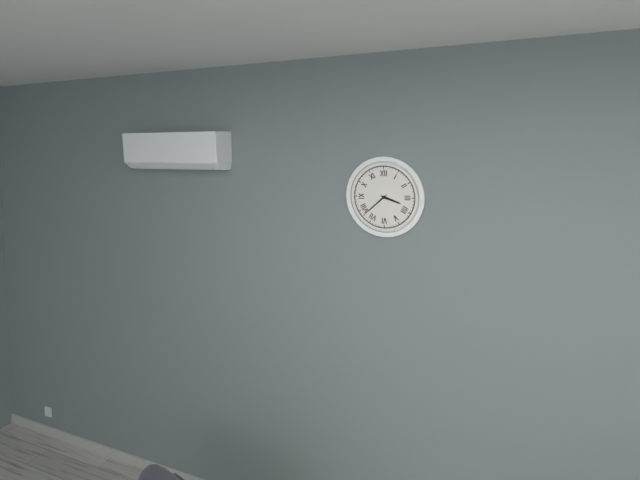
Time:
3:38
